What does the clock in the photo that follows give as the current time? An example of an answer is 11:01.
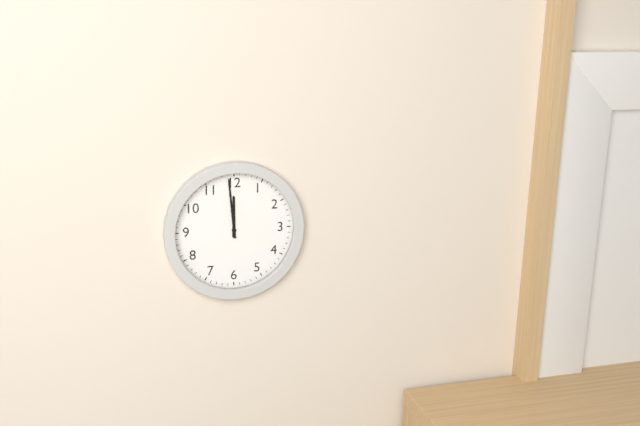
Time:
11:59
